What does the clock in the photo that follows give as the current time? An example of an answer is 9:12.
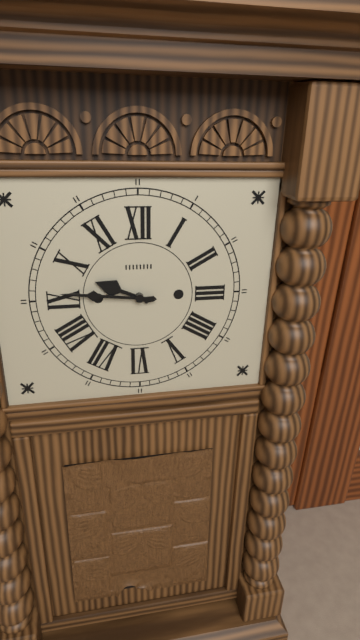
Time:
9:46
